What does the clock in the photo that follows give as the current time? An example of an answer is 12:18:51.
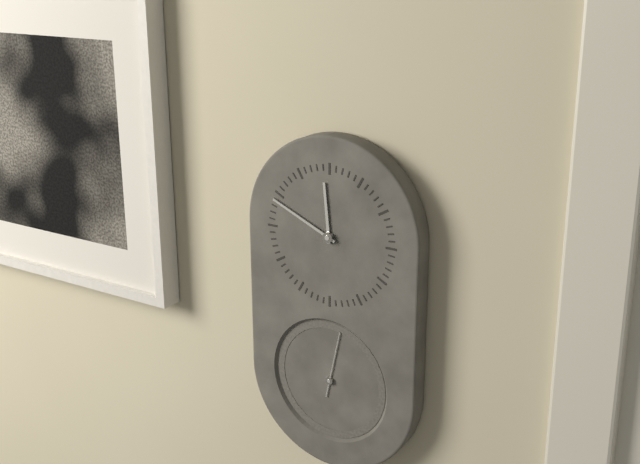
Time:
11:49:02
